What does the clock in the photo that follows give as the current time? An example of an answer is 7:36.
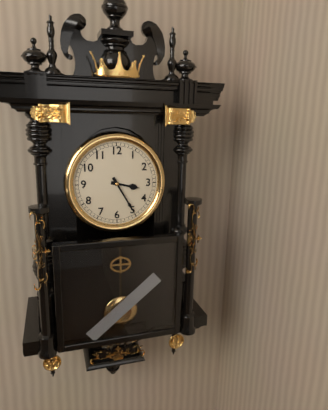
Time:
3:25
